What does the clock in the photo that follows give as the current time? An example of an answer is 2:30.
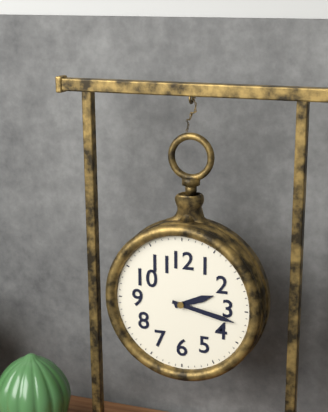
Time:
2:17
